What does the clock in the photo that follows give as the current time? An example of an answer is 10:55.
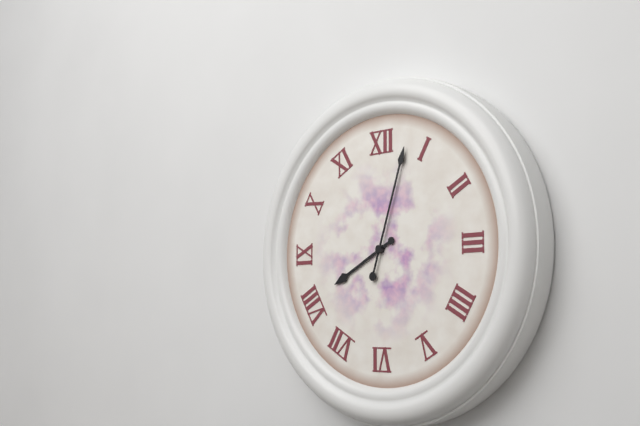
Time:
8:03
